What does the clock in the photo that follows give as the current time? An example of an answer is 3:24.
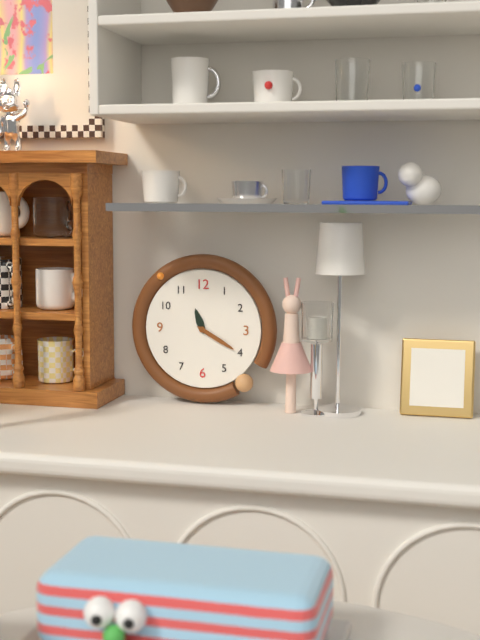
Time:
11:20
